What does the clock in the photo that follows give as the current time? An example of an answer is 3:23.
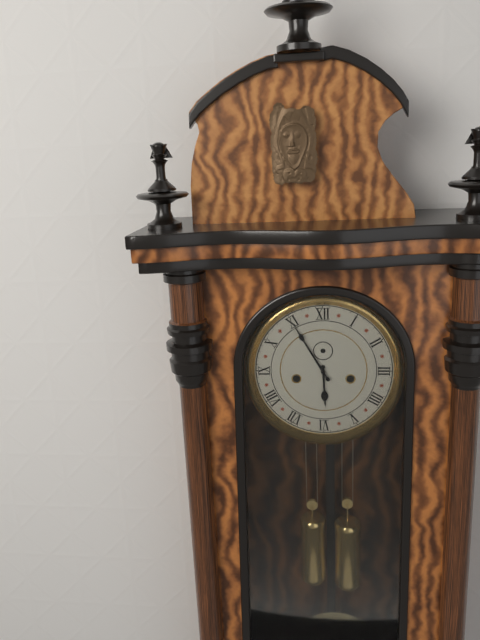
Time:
5:55
